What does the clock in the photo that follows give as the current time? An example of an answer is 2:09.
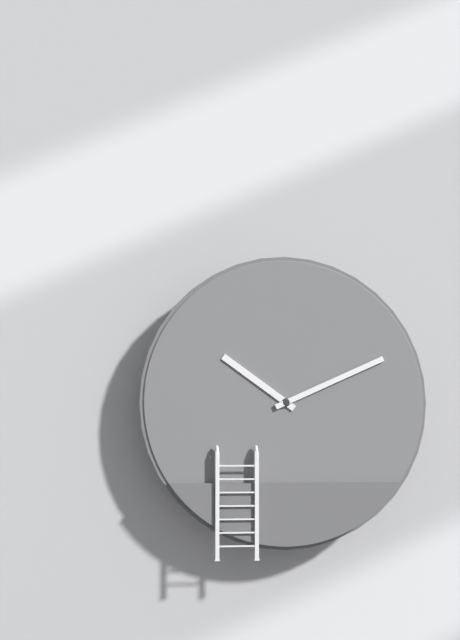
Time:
10:11
